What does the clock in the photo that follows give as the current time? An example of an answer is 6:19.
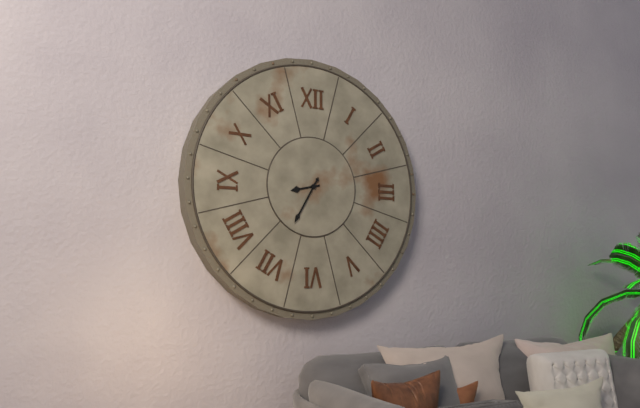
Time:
8:35
